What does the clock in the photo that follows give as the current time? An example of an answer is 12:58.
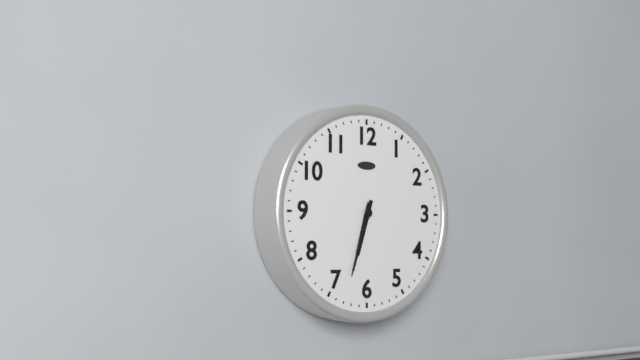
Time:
6:33
